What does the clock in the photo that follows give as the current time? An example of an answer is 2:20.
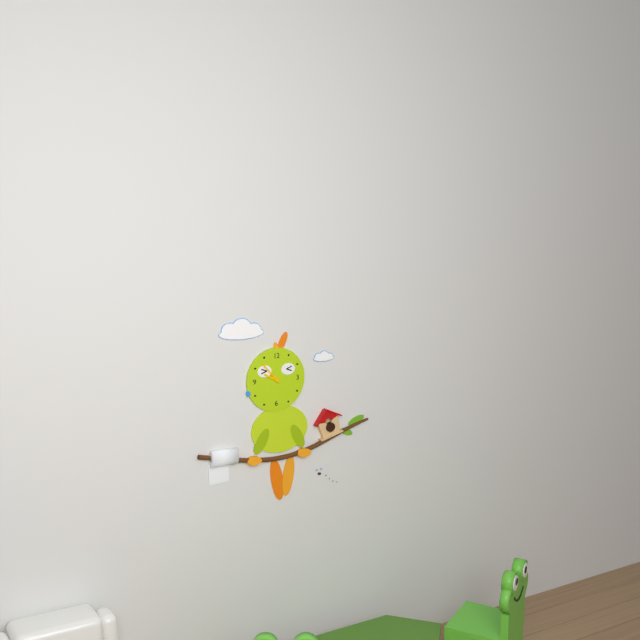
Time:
9:53
